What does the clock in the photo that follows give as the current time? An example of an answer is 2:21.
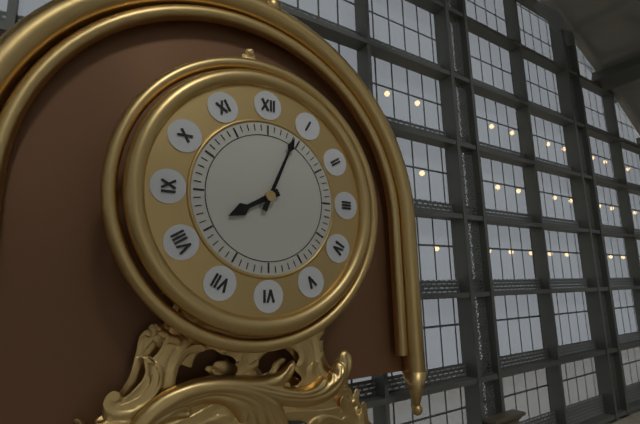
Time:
8:04
